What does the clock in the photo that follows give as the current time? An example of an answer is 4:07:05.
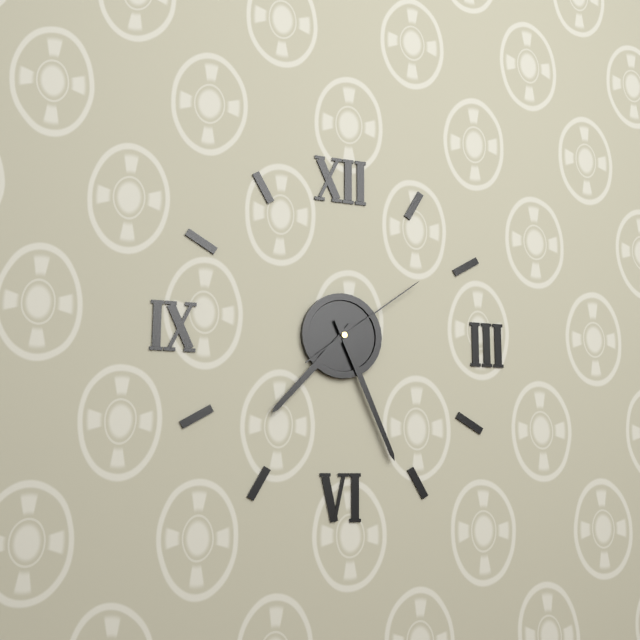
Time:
7:26:09
